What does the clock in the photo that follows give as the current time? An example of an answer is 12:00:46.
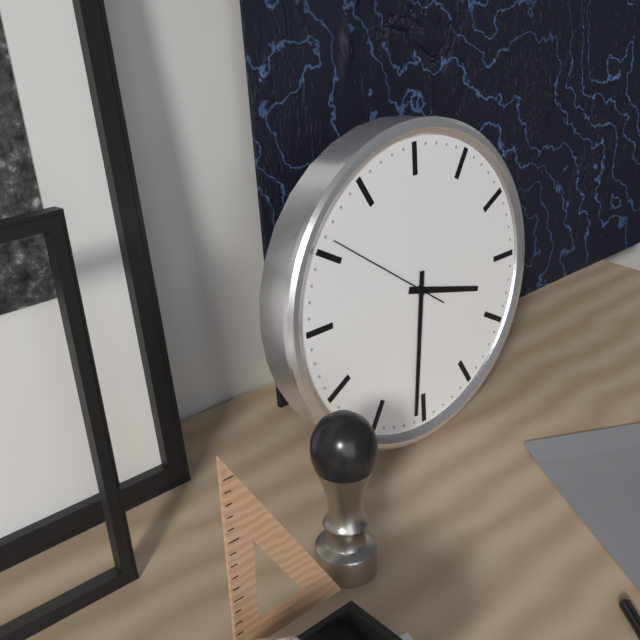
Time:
3:31:51
